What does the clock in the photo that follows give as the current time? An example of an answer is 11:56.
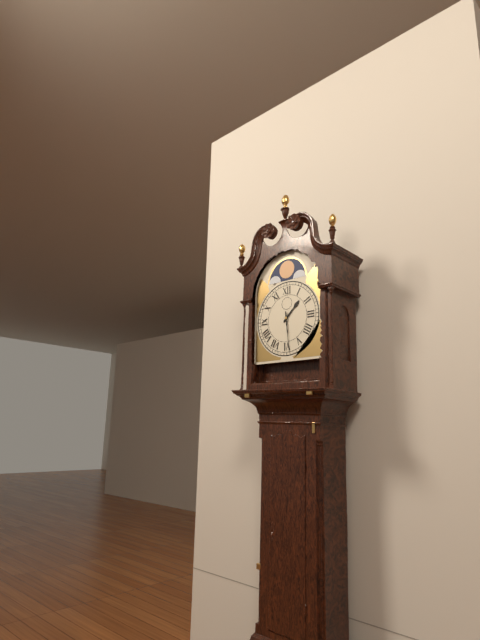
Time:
1:29
